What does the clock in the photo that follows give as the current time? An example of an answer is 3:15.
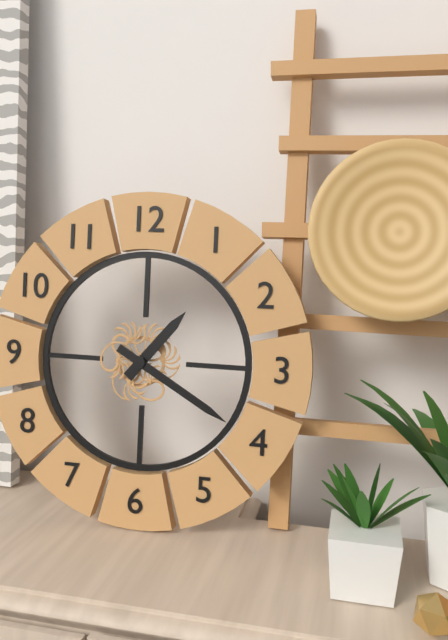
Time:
1:20
